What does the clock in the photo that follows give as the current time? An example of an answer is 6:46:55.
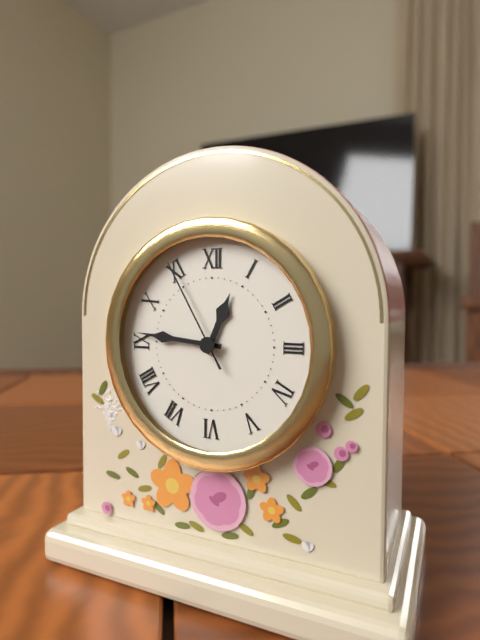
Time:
12:46:55
